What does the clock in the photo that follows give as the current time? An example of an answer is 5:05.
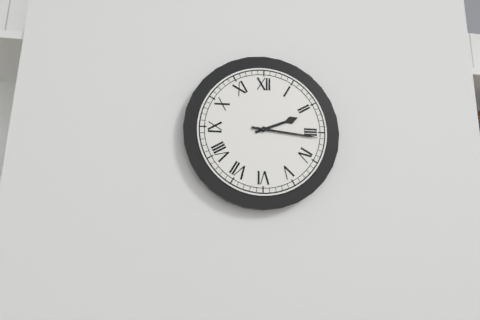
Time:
2:16
